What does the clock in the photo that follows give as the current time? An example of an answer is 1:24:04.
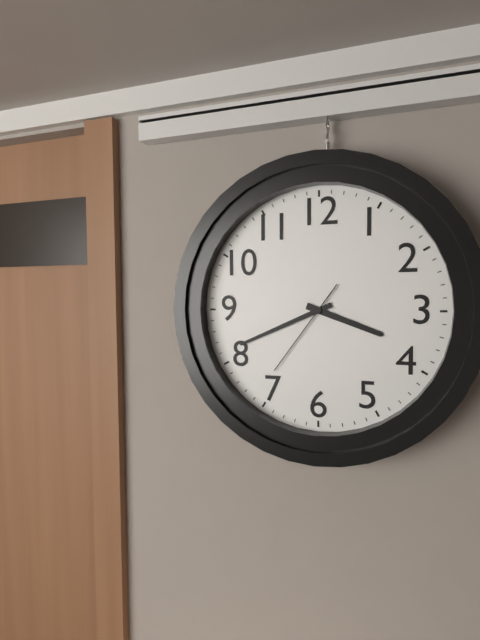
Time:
3:41:36
